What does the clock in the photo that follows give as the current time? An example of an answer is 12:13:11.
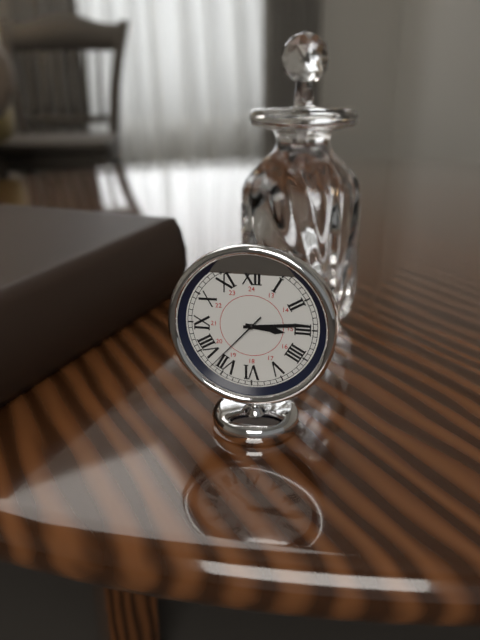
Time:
3:14:37
